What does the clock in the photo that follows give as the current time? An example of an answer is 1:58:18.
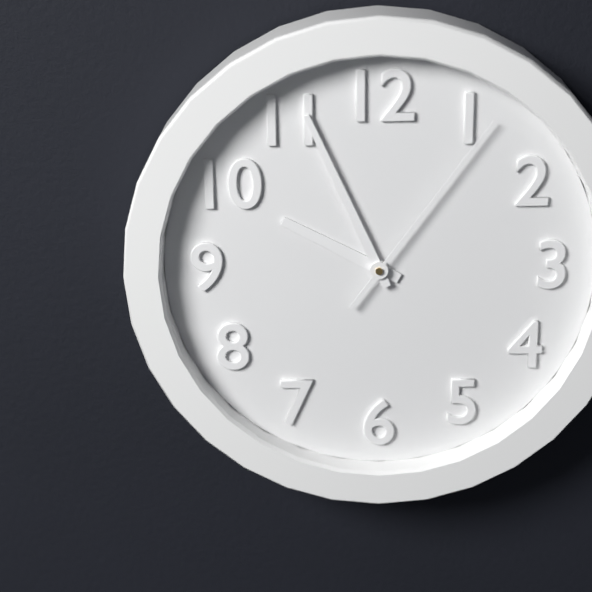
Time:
9:56:06
